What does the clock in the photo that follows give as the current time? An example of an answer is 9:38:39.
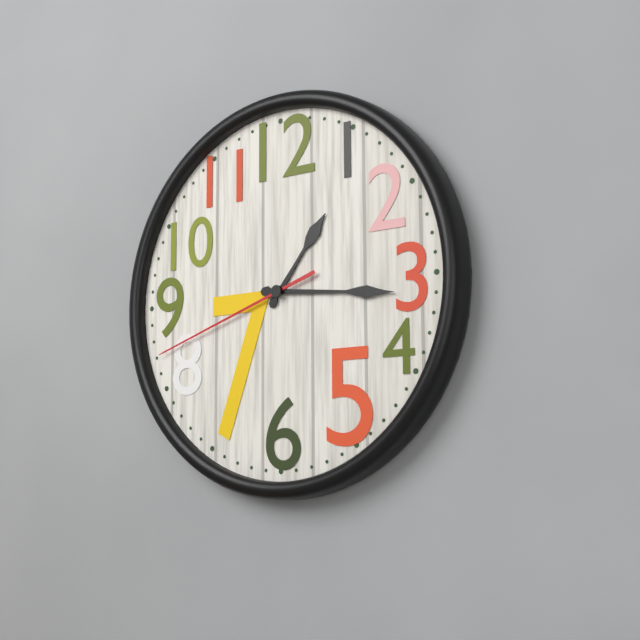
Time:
1:16:42
